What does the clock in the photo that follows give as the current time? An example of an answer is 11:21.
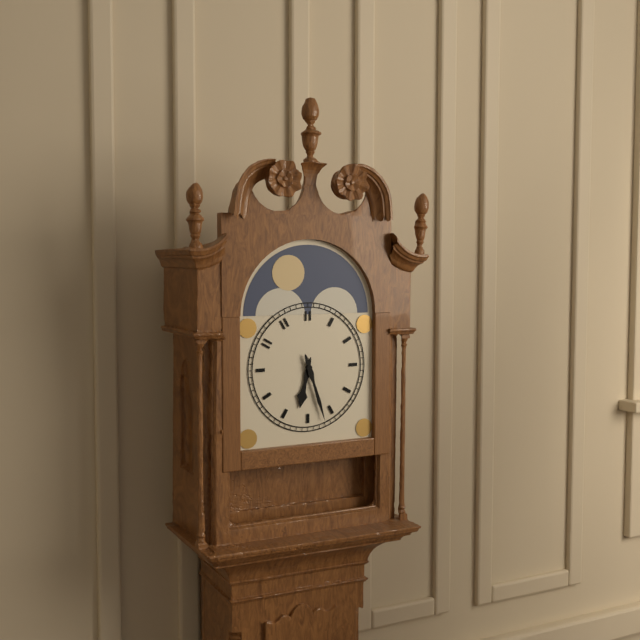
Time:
6:27
